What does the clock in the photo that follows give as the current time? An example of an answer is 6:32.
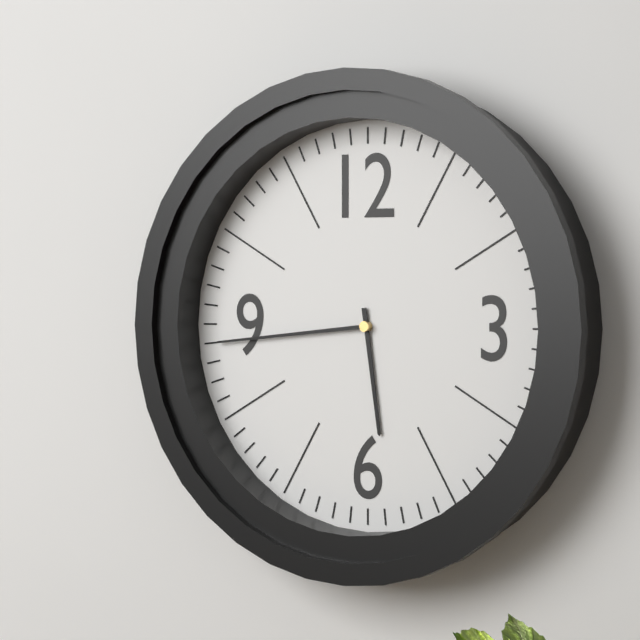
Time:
5:44
